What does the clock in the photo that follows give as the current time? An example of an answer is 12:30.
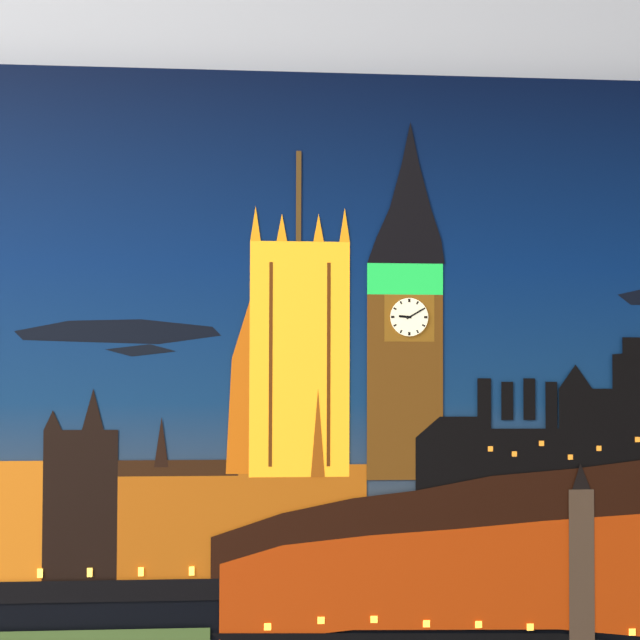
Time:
9:10
